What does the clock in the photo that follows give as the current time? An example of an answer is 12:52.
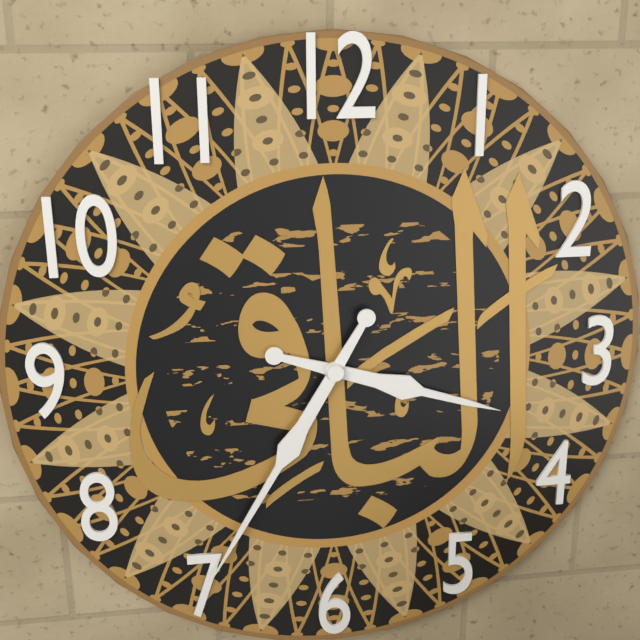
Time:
3:35
